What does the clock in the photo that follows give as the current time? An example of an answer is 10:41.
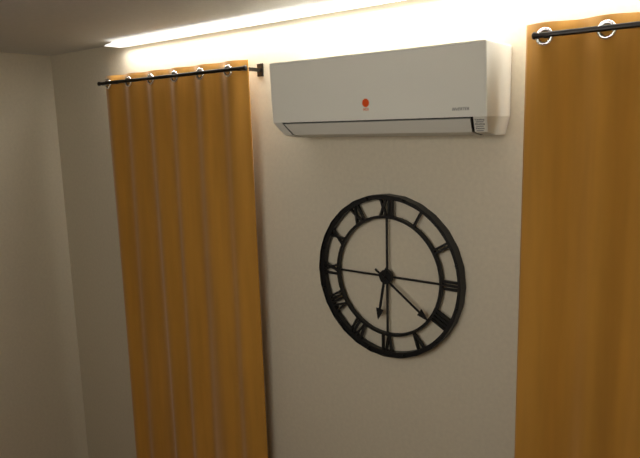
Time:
6:21
